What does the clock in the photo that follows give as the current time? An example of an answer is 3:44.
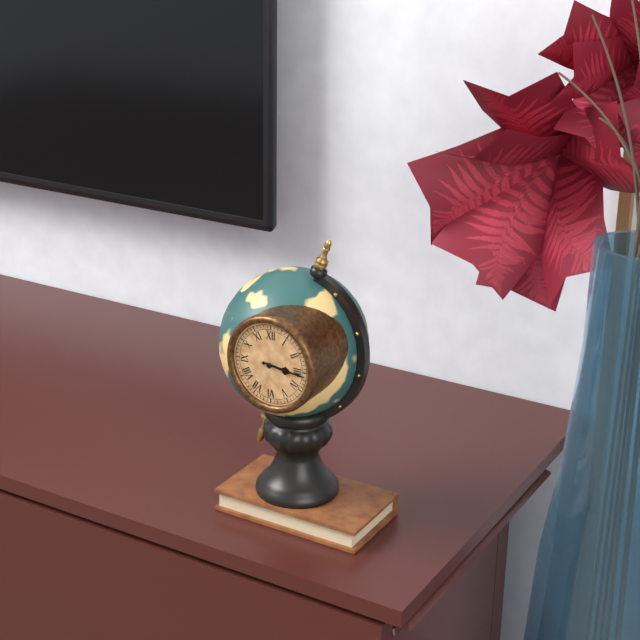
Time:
3:16
